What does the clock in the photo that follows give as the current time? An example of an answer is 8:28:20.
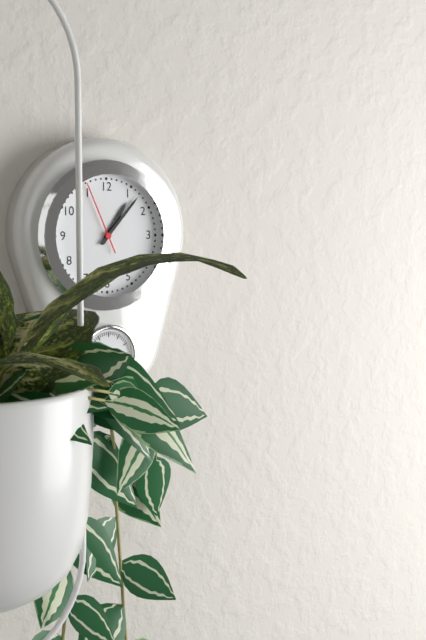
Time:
1:07:56
